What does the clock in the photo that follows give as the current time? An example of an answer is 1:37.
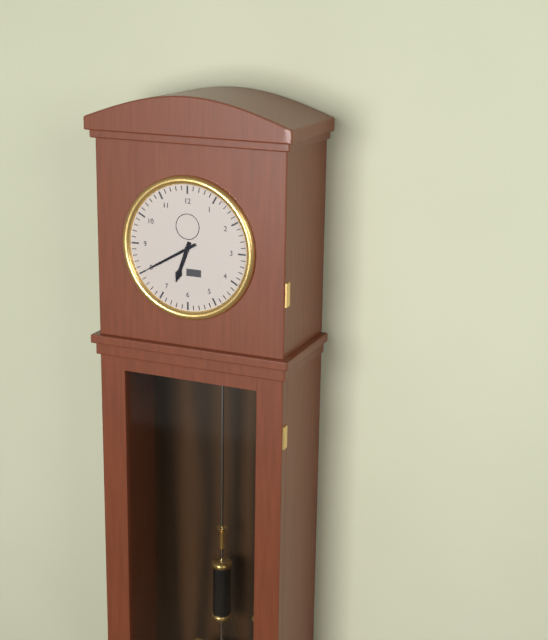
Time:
6:40
